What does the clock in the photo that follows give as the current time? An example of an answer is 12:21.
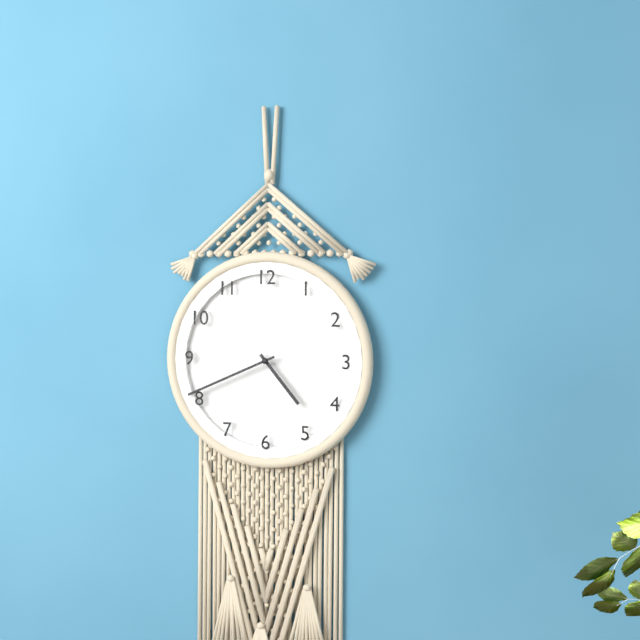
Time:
4:41
